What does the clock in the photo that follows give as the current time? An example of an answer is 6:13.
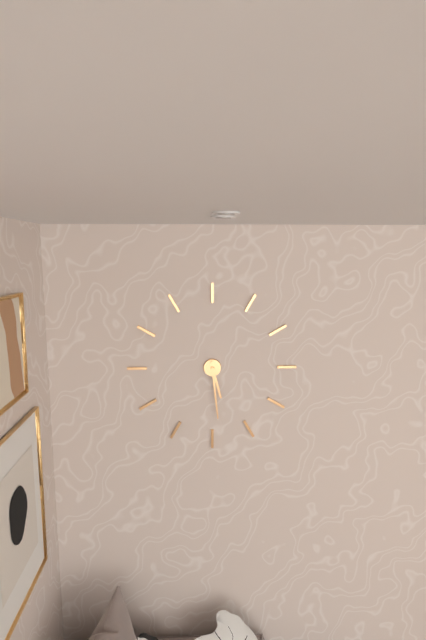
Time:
5:29
